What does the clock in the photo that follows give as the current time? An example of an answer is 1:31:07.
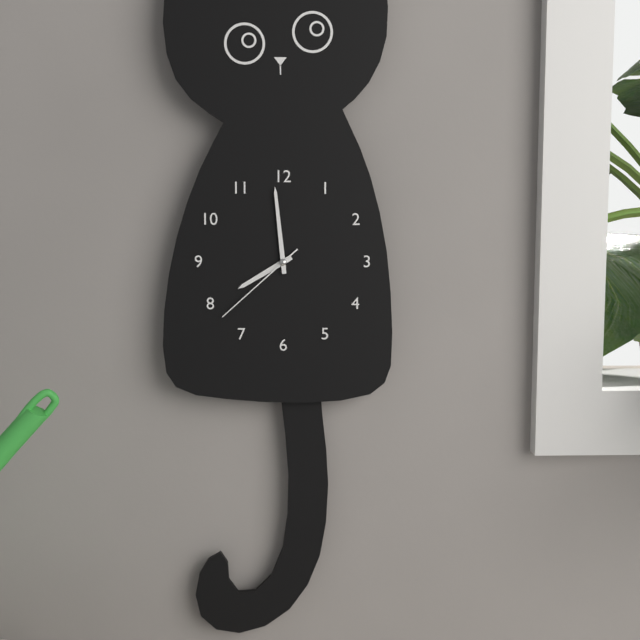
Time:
7:59:38
